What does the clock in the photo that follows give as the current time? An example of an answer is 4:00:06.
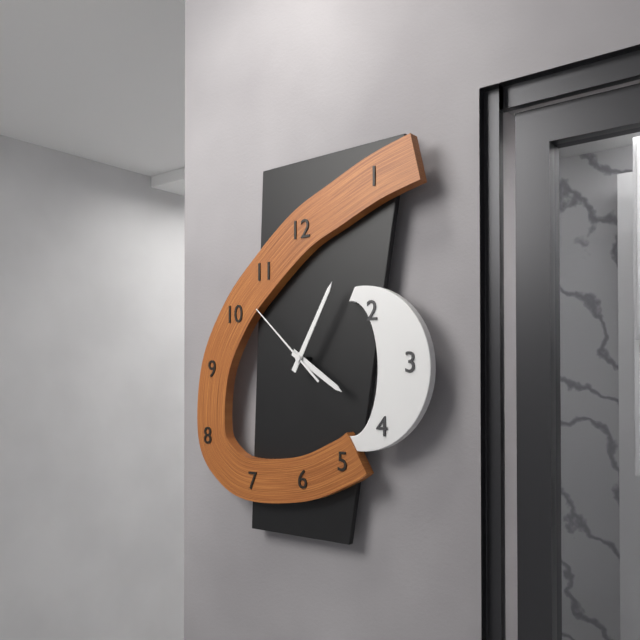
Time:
4:05:52
